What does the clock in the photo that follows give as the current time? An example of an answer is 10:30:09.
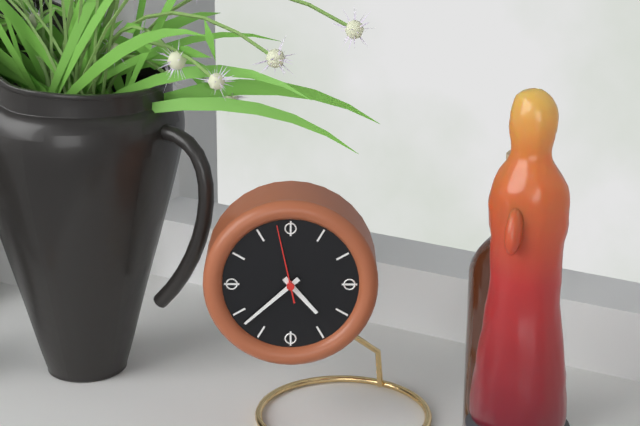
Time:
4:38:58
